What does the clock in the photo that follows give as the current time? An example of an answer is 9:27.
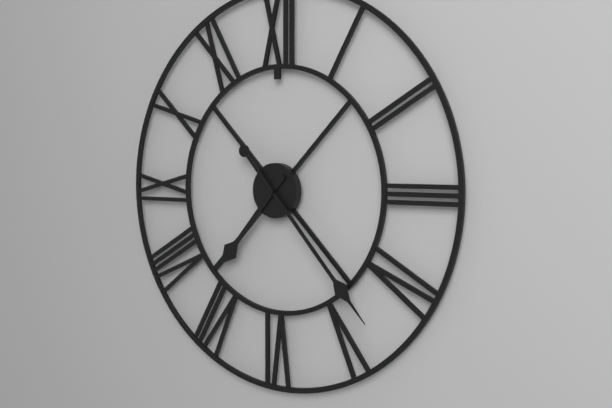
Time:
7:23
